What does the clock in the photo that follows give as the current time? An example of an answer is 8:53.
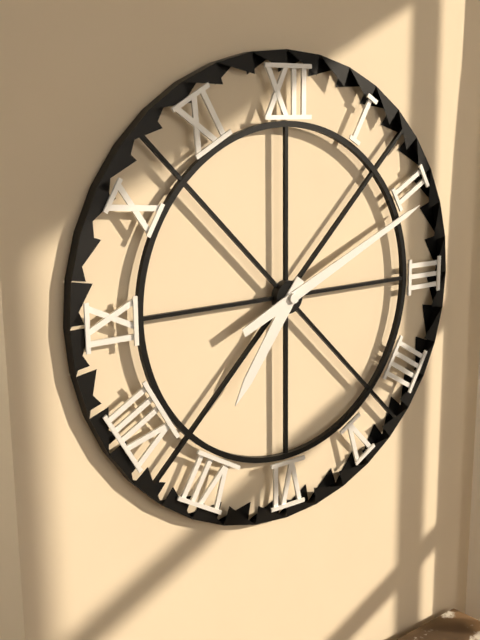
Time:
7:11
